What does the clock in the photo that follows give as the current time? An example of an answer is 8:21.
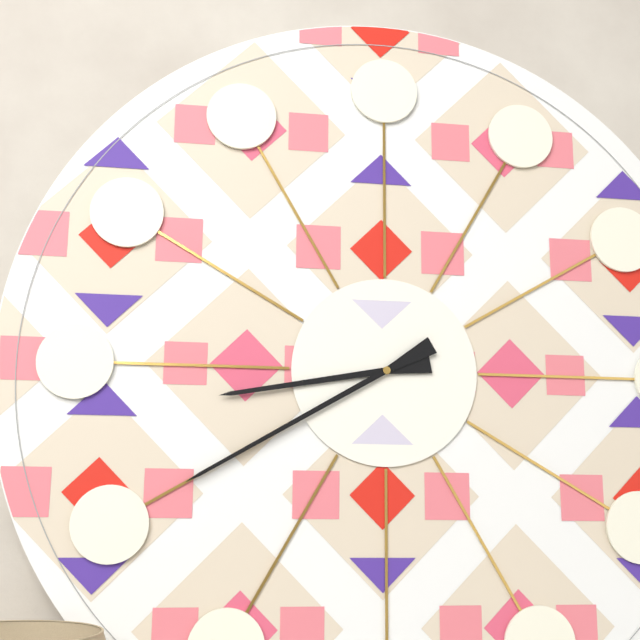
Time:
8:40
